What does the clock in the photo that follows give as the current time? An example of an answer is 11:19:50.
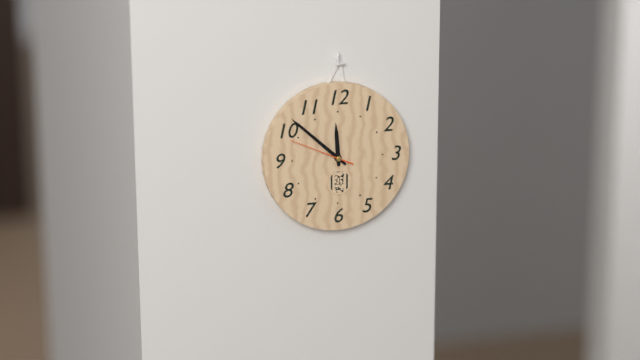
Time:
11:52:49
